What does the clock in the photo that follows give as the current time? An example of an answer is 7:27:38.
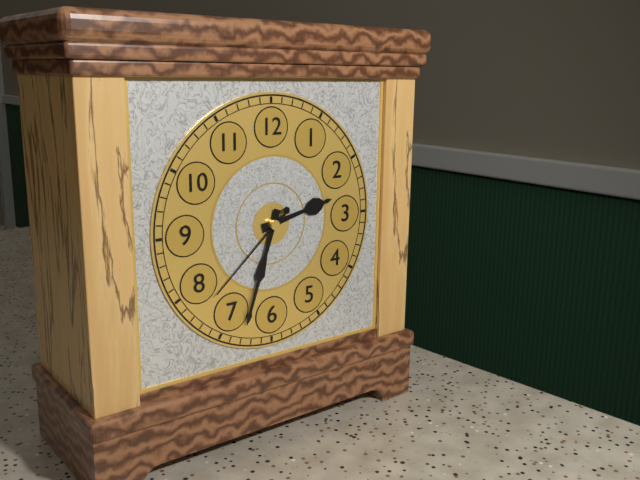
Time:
2:33:38
